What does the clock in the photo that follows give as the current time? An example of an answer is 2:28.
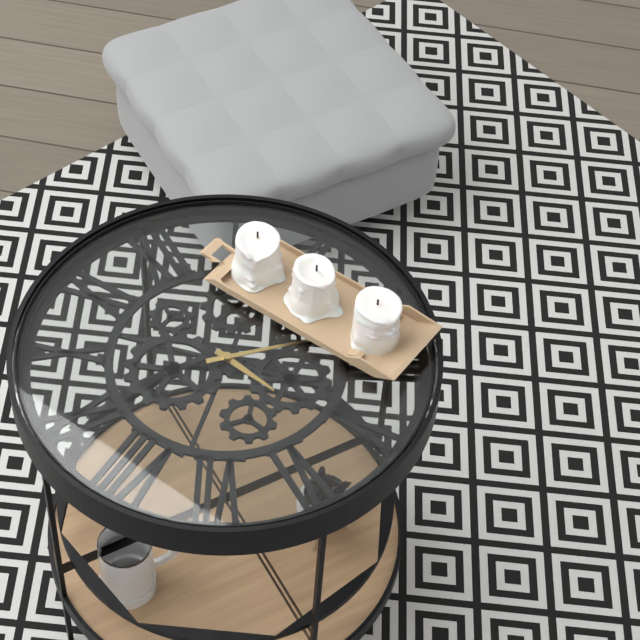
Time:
5:17
